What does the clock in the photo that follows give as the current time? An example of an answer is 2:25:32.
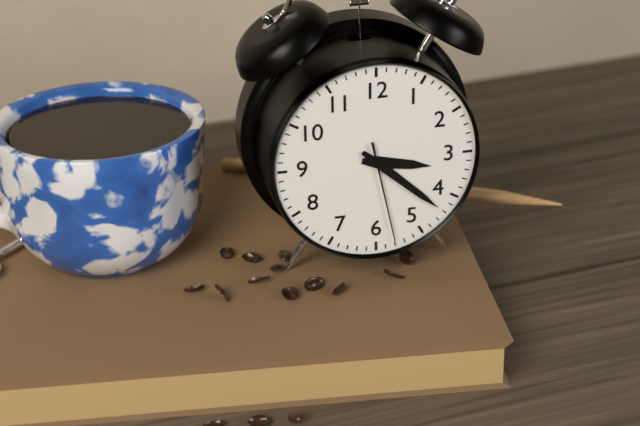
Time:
3:22:28
